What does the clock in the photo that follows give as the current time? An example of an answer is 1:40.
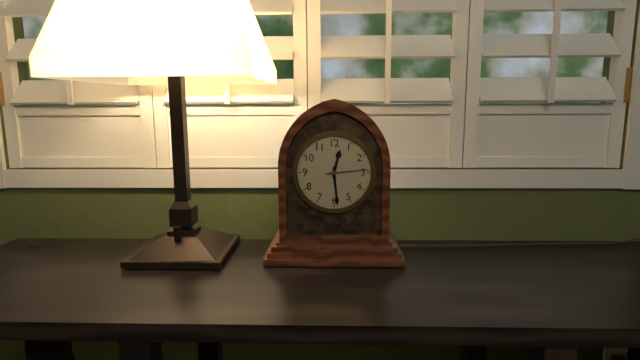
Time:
12:29
